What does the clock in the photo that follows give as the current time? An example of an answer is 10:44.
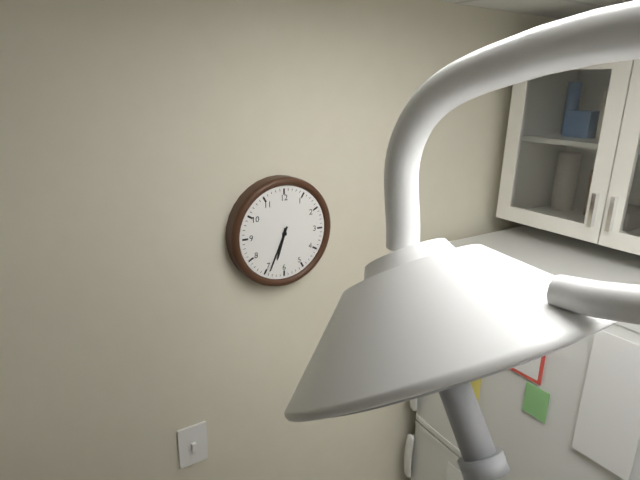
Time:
6:34
